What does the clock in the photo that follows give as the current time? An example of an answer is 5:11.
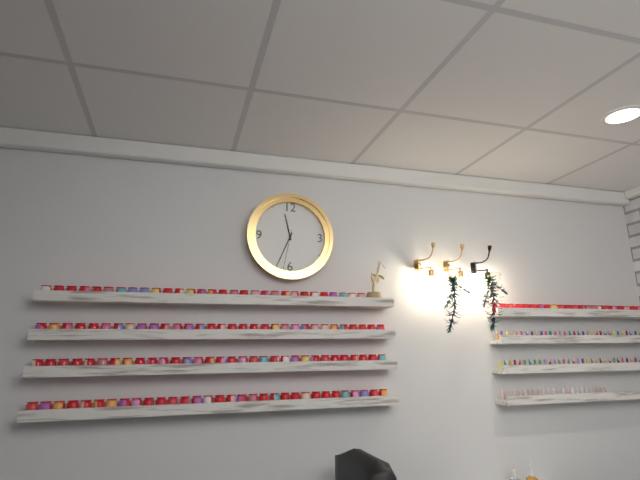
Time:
11:34
